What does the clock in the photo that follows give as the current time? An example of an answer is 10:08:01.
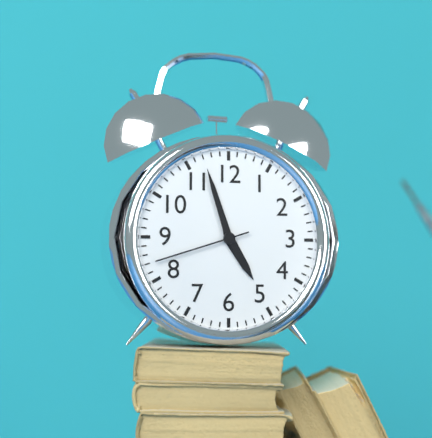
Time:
4:57:42
